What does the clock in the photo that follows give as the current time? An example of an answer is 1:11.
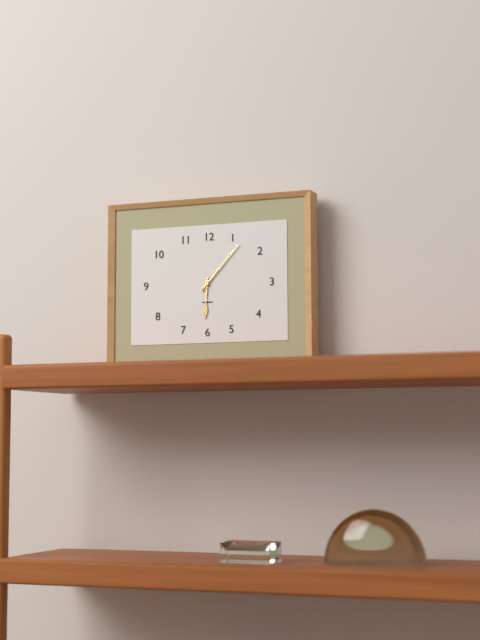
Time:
6:07
